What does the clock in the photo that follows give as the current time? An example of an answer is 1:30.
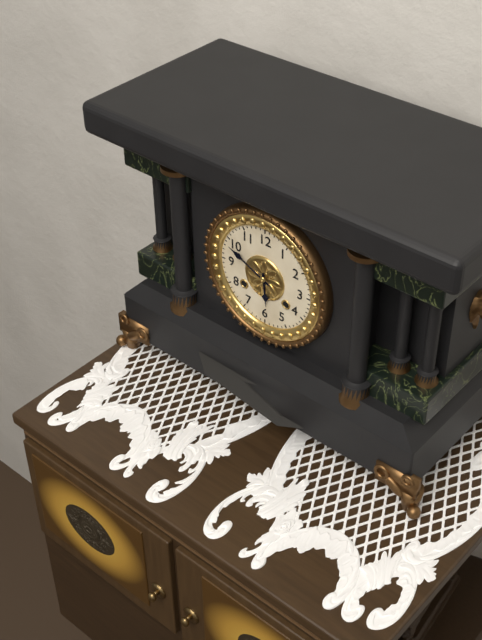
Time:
5:49
